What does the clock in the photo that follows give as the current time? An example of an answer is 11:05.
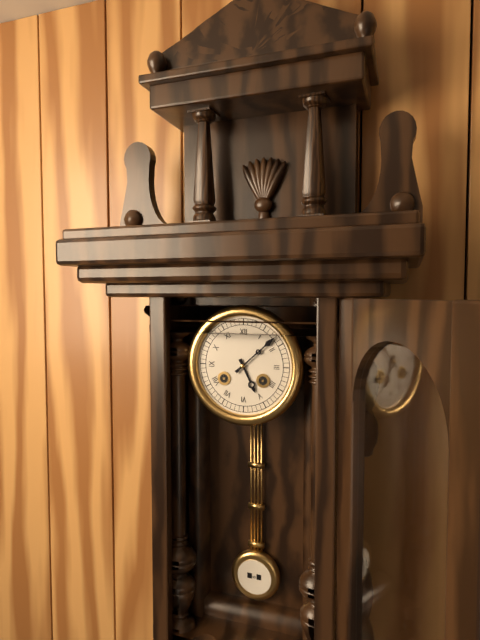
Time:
5:08
